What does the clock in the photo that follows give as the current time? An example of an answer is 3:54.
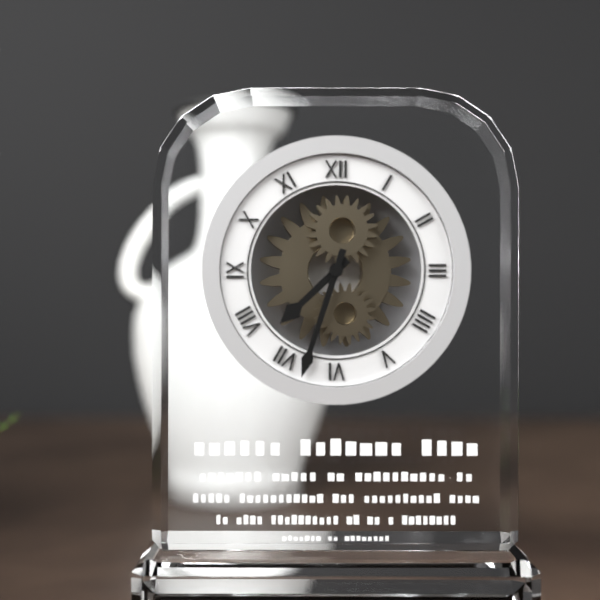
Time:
7:33
